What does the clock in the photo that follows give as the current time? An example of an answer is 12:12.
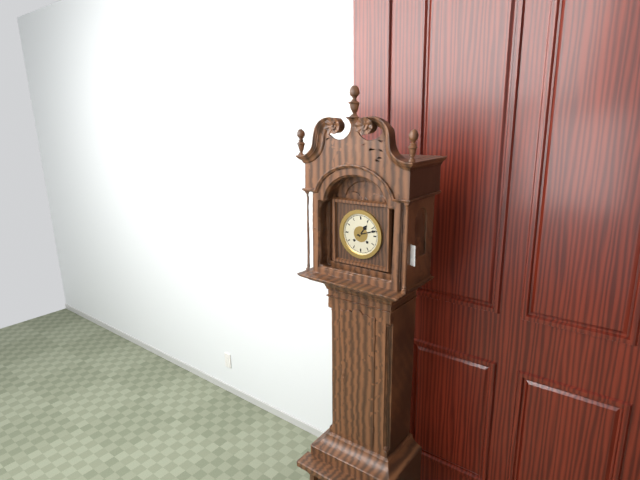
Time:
1:12
